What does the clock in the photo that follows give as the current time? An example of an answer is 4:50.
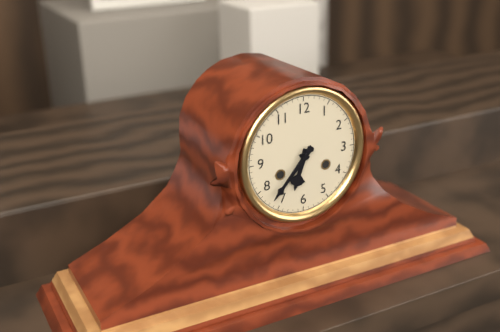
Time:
6:37
